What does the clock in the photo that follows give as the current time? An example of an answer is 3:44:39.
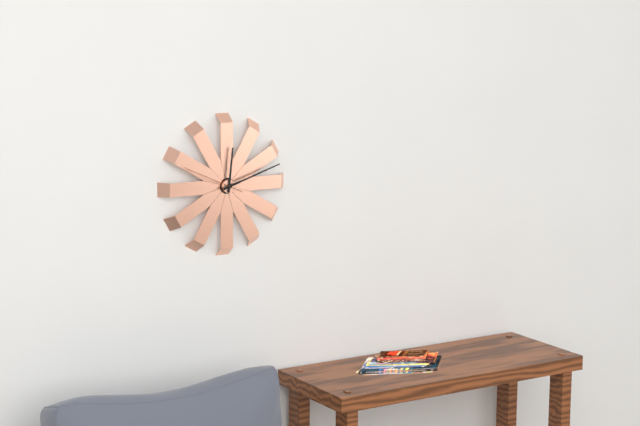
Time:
12:12:49
